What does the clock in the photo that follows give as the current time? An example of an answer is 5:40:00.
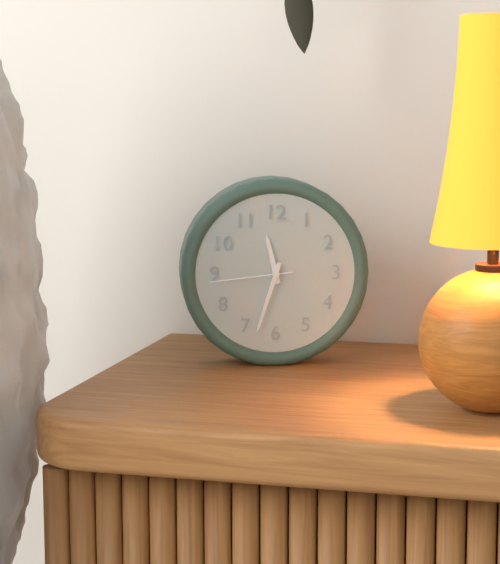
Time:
11:33:44
